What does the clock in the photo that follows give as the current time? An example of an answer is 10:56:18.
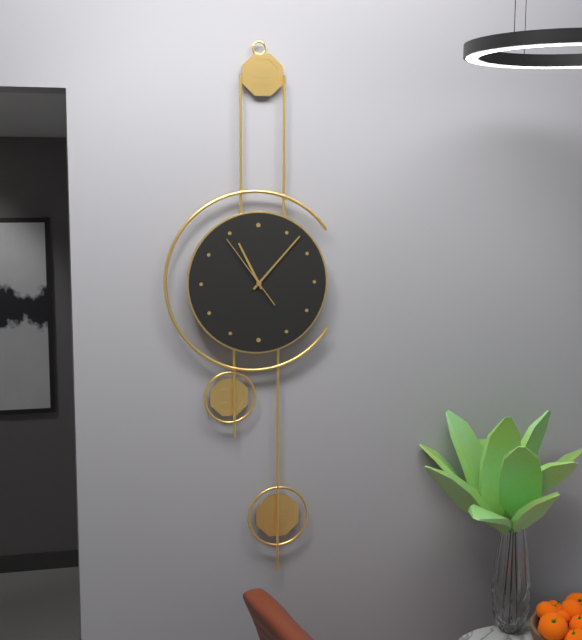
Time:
11:07:54
